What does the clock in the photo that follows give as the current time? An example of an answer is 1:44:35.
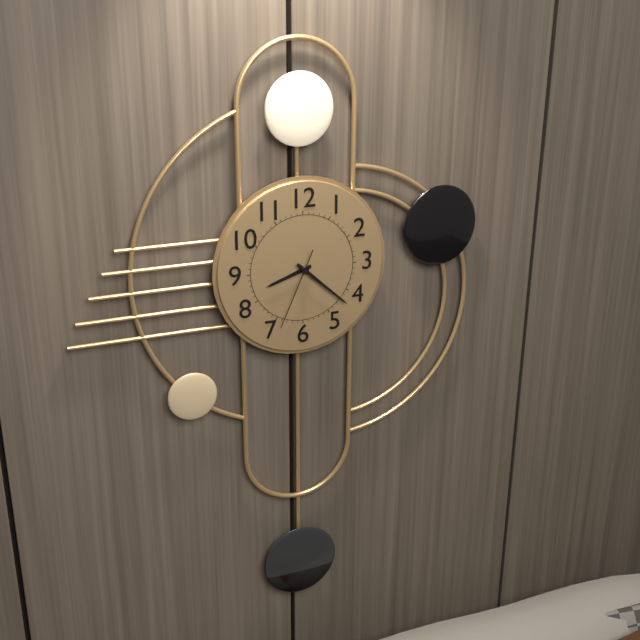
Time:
8:22:34
